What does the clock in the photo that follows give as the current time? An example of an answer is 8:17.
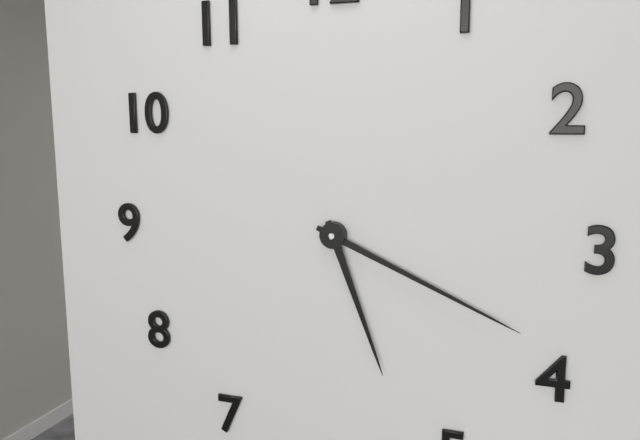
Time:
5:19
